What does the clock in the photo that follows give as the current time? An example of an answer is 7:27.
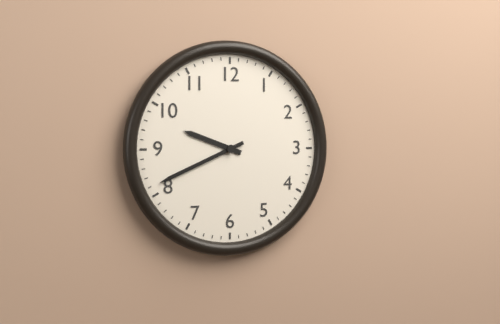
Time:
9:41
